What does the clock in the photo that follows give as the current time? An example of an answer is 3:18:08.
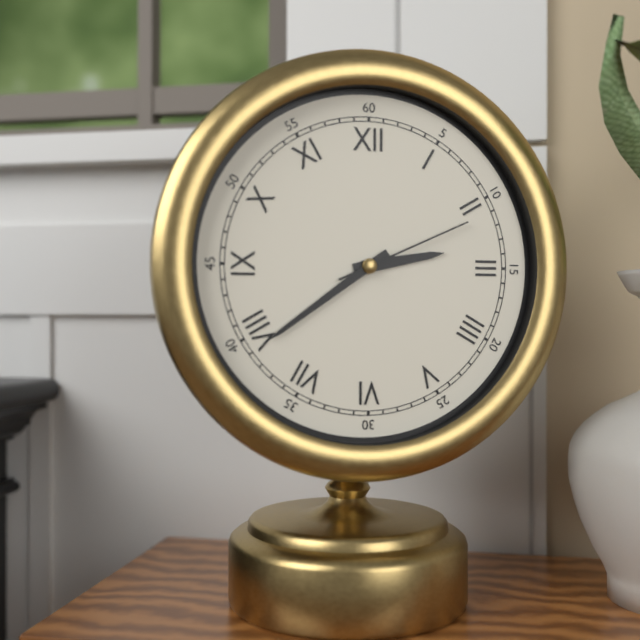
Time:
2:39:11
